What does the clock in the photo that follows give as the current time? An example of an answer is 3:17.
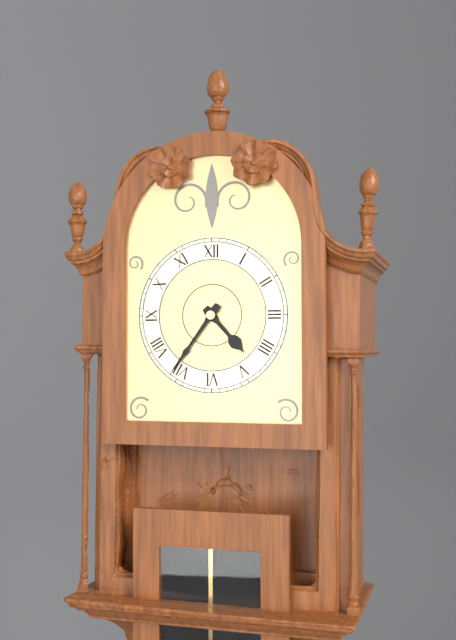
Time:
4:36
